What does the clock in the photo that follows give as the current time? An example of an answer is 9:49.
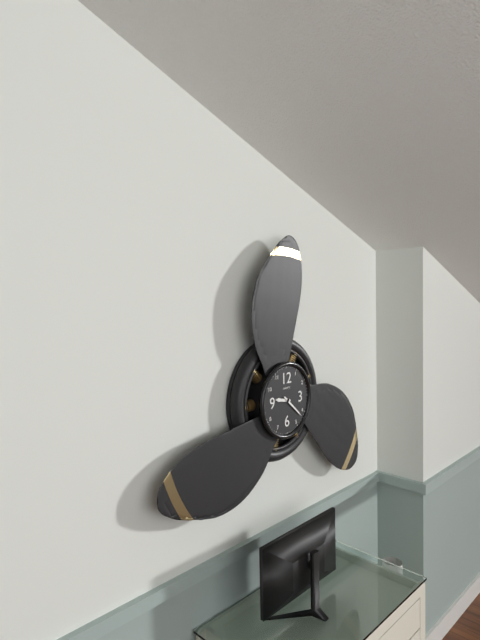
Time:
9:22
